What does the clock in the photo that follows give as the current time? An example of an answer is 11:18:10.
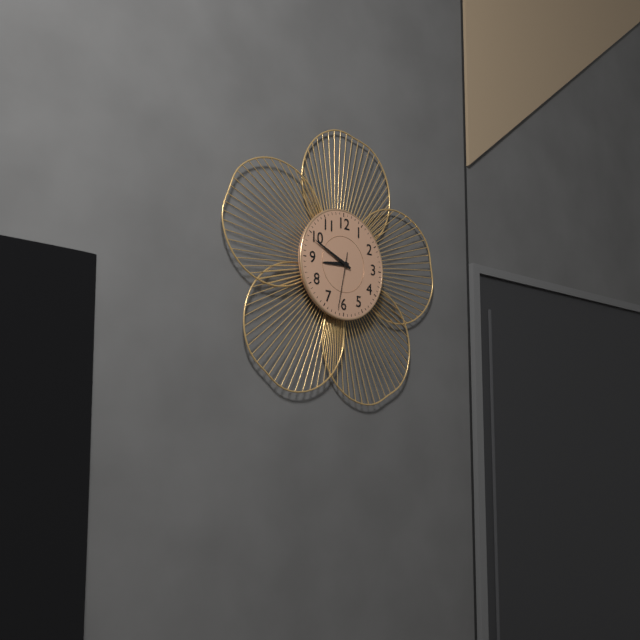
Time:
8:49:32
